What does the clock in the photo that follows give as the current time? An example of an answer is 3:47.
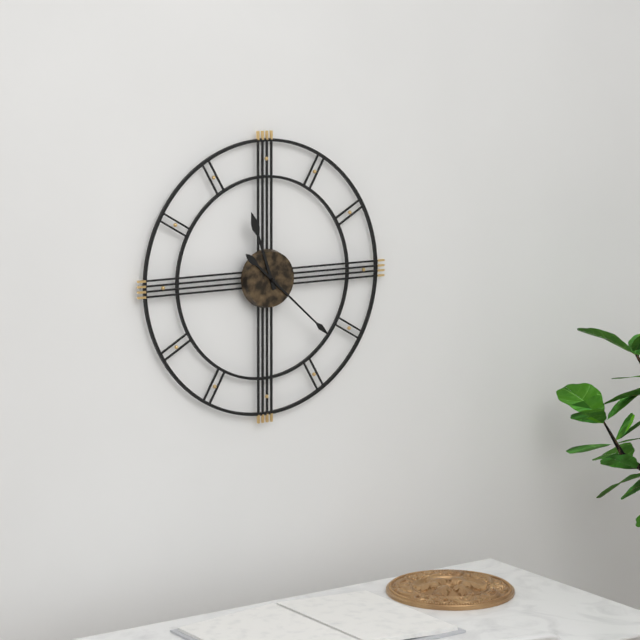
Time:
11:22
